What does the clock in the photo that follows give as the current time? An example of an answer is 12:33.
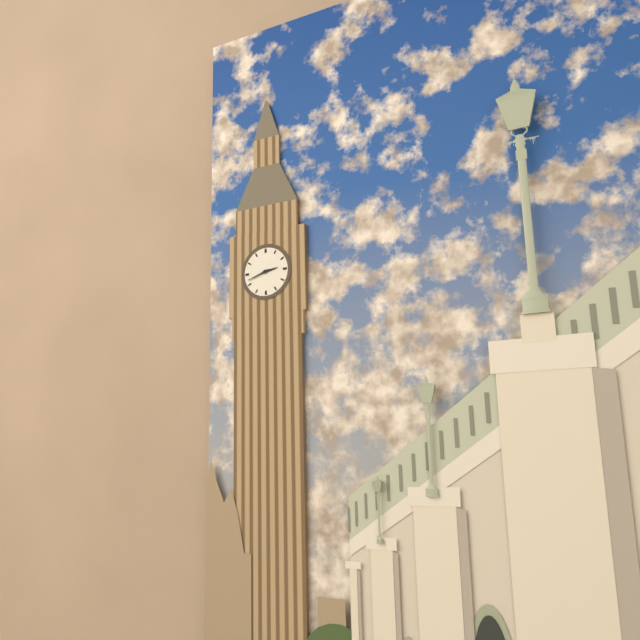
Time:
2:42
